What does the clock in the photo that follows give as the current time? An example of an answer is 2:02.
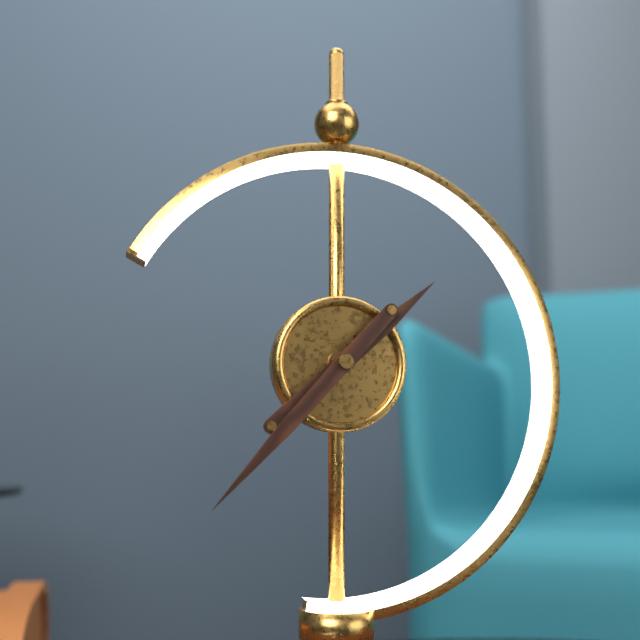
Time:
1:37
